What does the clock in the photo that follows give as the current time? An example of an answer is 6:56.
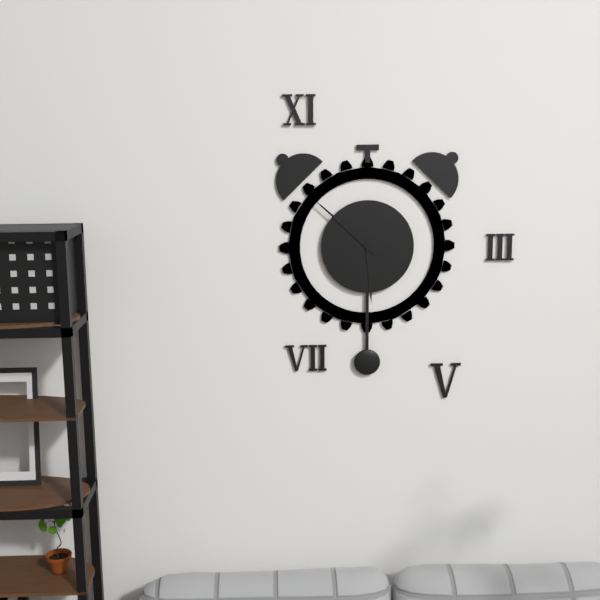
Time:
5:52
